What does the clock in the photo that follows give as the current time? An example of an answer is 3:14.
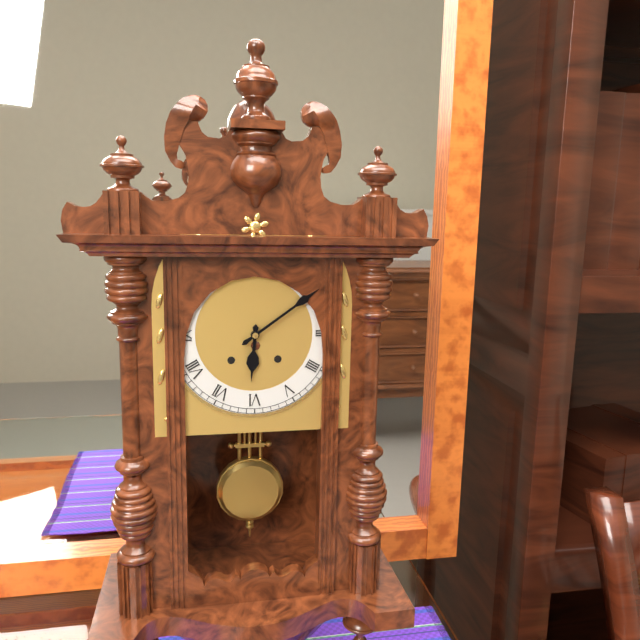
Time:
6:09
